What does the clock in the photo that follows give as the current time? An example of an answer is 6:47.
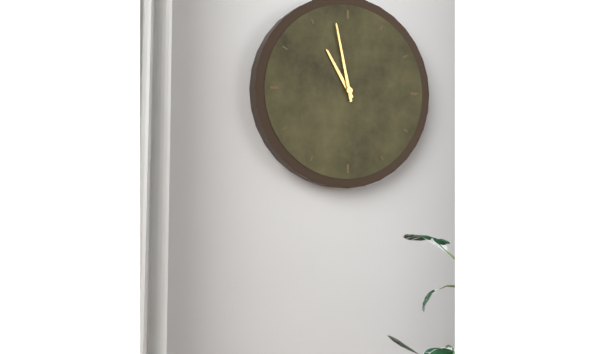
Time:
10:58
